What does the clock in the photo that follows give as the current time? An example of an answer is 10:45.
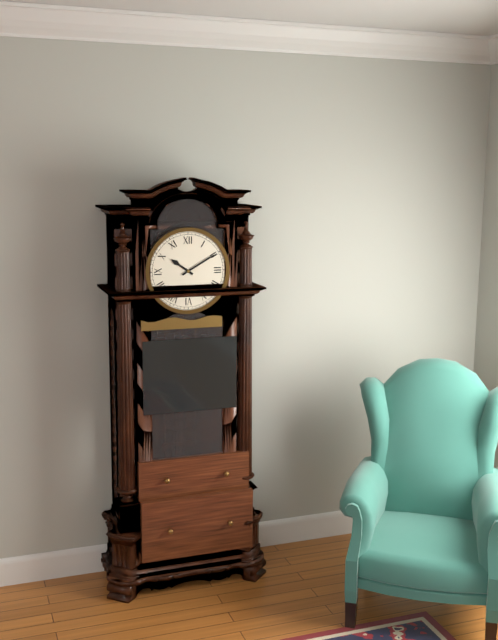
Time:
10:10
